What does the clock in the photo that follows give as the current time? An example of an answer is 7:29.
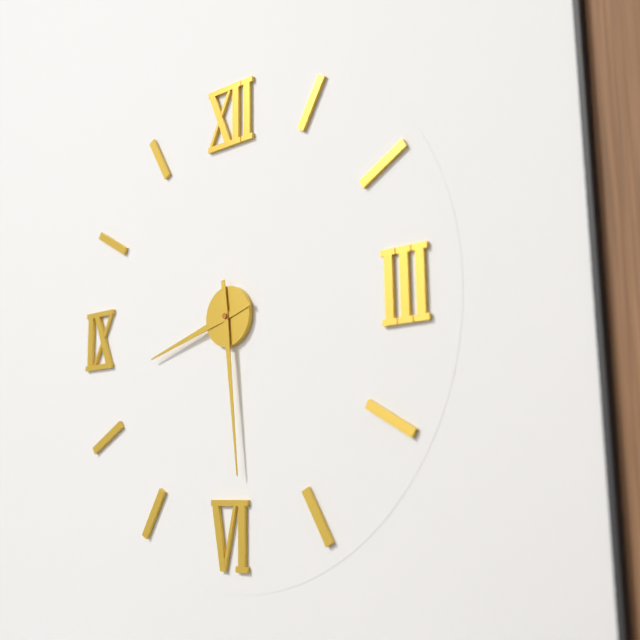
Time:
8:29
